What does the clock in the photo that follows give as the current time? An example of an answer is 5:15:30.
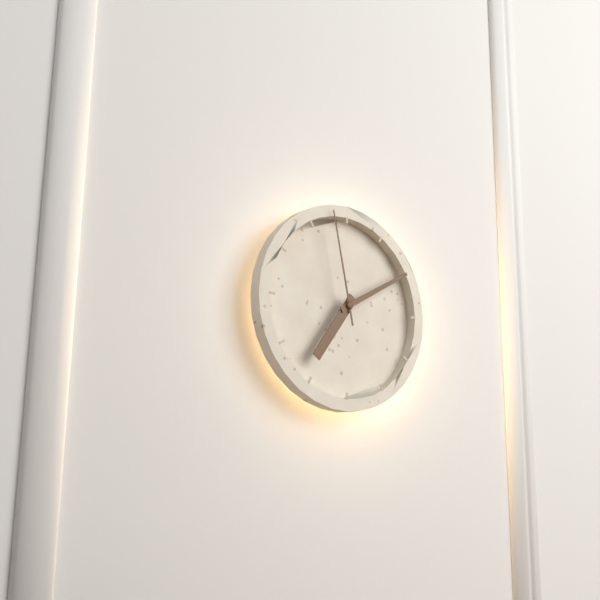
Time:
7:10:58
